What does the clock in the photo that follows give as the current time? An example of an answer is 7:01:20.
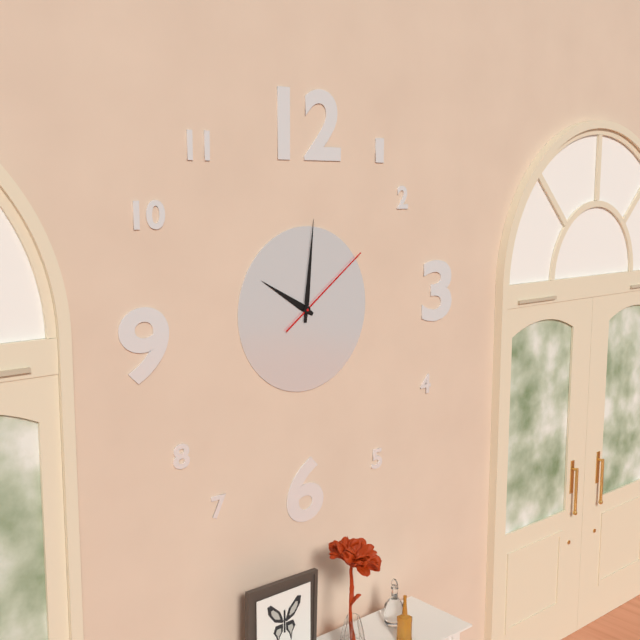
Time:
10:01:09
